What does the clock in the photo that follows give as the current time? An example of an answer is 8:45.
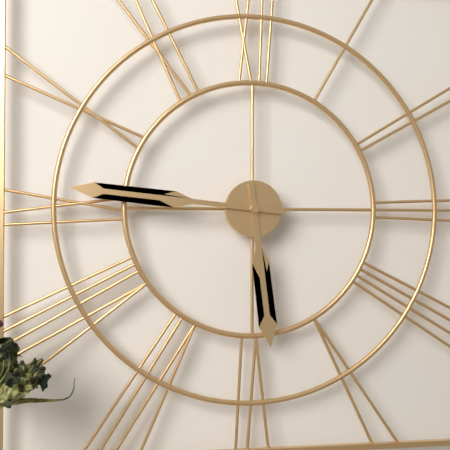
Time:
5:46
